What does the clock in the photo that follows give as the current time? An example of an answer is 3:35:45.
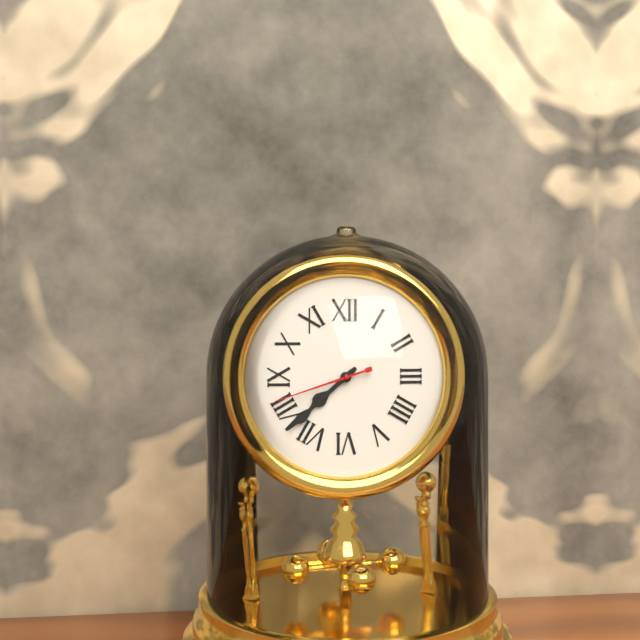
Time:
7:38:42
